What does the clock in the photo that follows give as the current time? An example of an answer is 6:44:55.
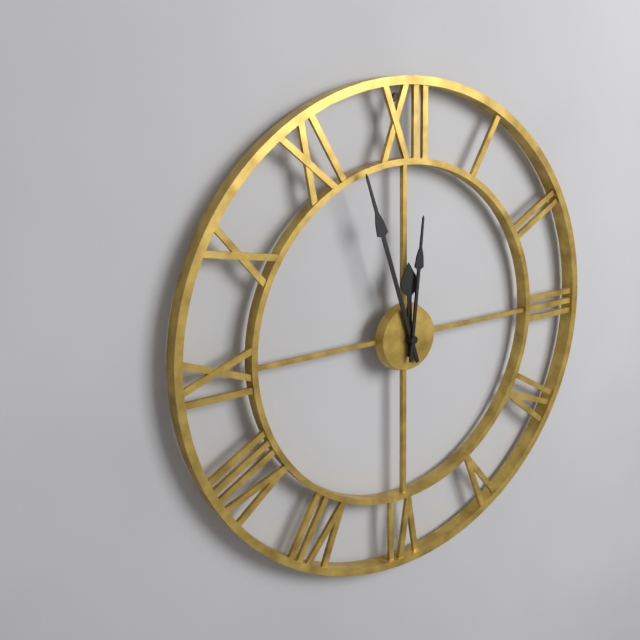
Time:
11:57:01
